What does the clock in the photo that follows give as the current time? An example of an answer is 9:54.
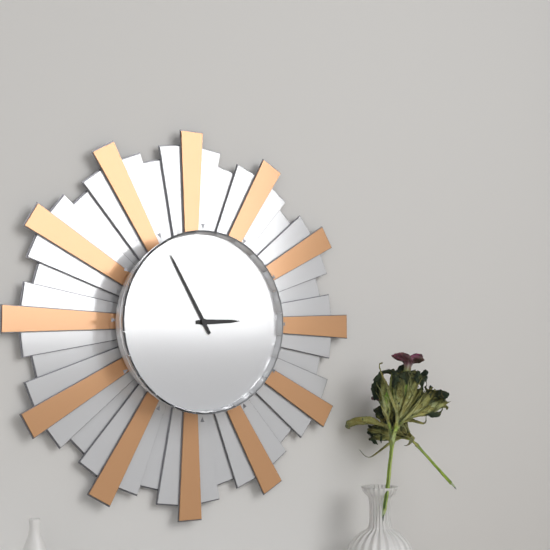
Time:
2:55
